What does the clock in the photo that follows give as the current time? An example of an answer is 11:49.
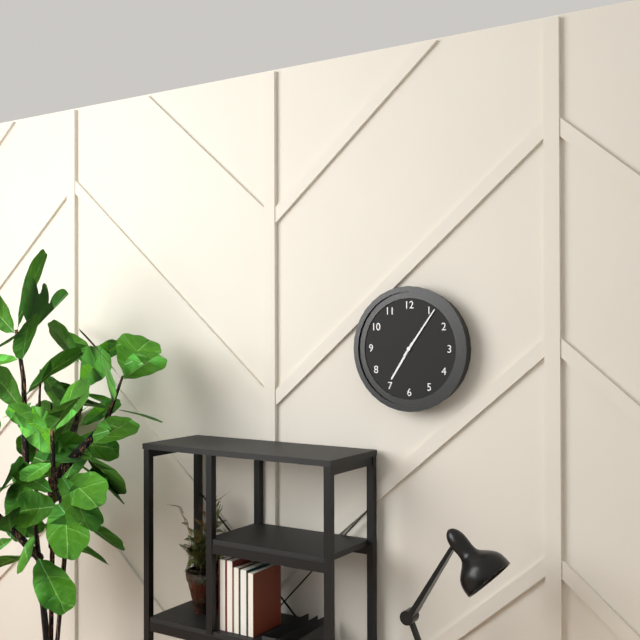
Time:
7:06
